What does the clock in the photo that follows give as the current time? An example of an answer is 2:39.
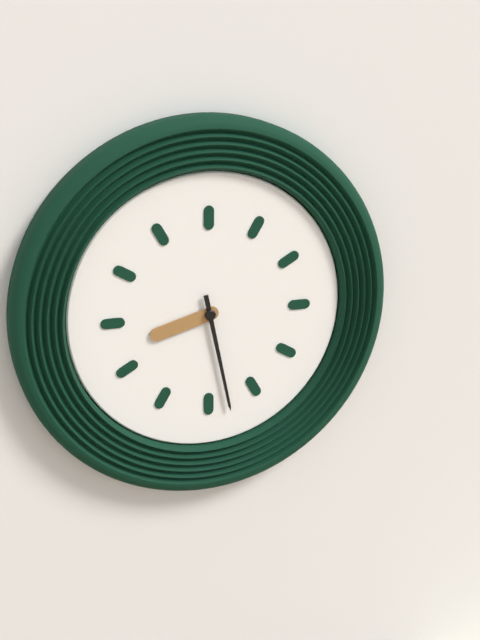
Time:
8:28
